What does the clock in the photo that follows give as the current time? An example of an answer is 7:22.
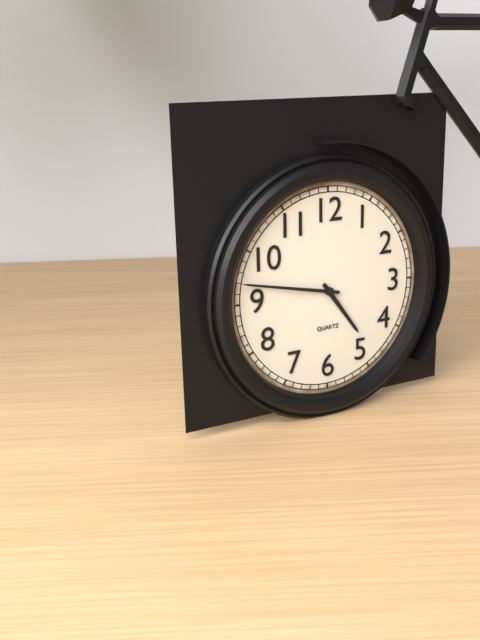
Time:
4:47
